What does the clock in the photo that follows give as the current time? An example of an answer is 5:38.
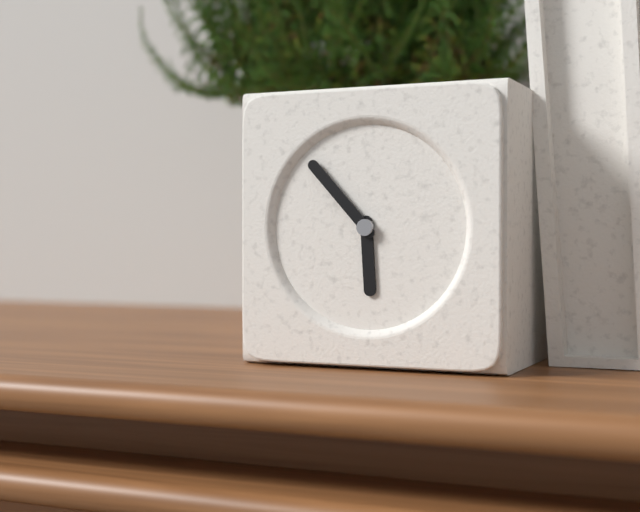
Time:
5:53
